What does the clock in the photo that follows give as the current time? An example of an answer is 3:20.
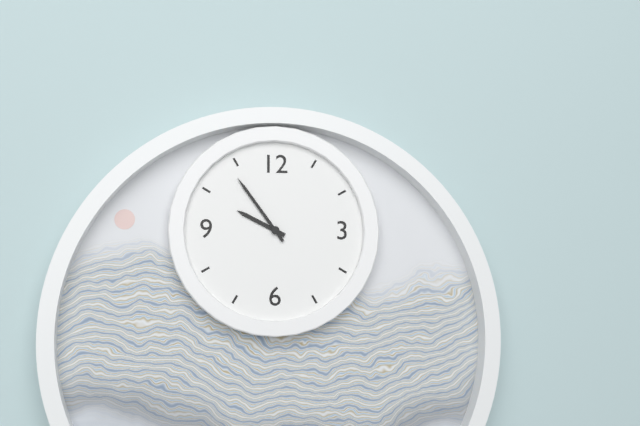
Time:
9:54
